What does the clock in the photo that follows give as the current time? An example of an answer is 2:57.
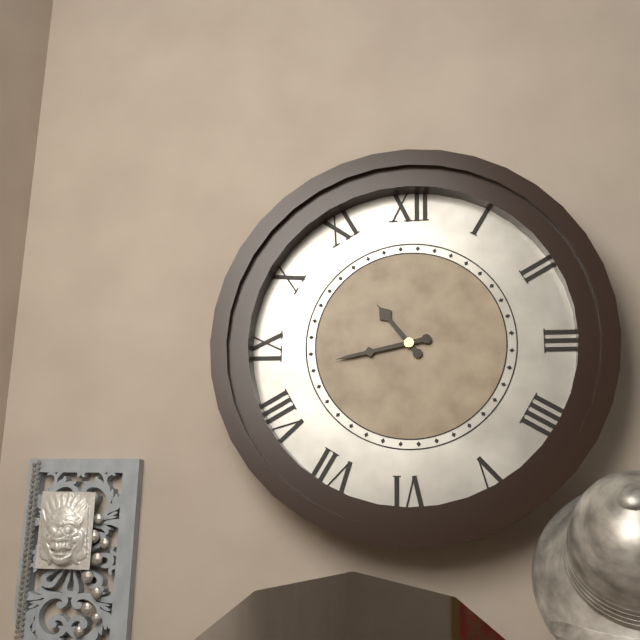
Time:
10:43
